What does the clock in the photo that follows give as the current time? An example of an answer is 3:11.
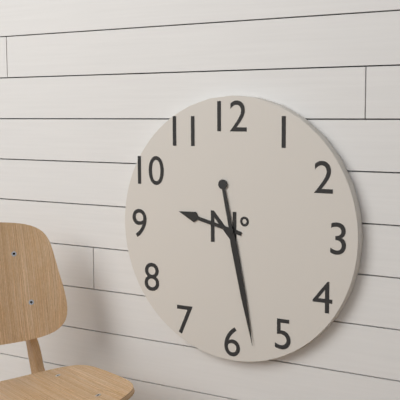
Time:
9:28
